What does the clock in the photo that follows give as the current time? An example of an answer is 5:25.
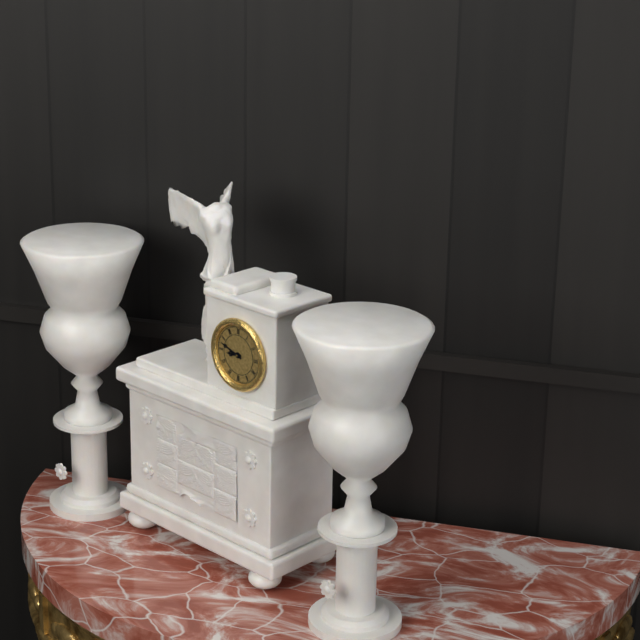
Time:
8:48
